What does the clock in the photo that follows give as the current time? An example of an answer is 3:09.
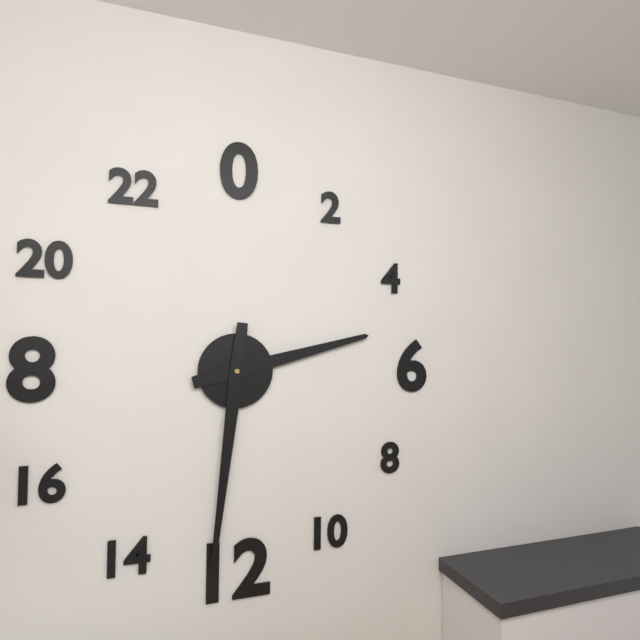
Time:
2:31
